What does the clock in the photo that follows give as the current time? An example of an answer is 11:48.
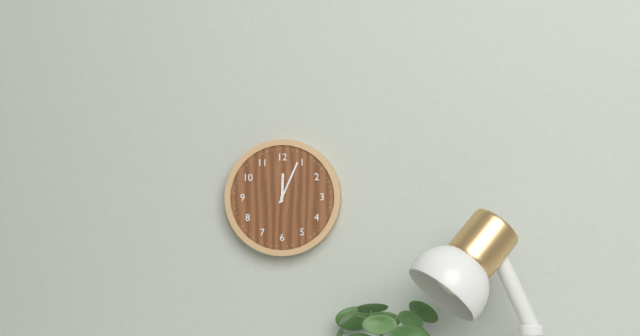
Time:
12:04
